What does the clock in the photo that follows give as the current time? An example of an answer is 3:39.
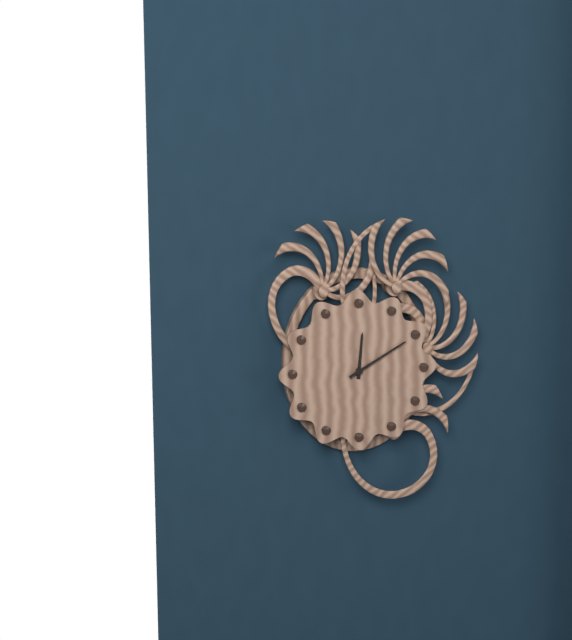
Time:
12:10
